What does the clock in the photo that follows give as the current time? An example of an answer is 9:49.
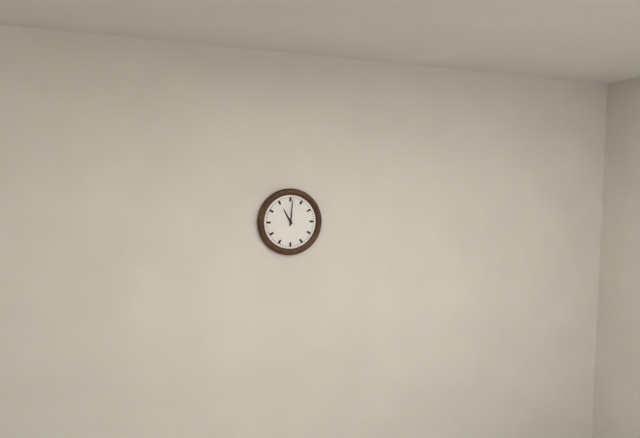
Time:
11:01
